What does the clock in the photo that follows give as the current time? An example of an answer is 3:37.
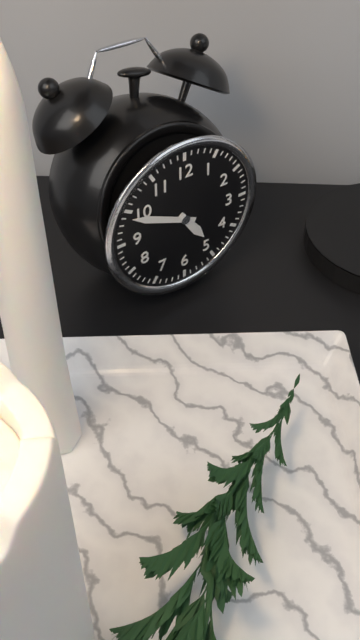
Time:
4:49
